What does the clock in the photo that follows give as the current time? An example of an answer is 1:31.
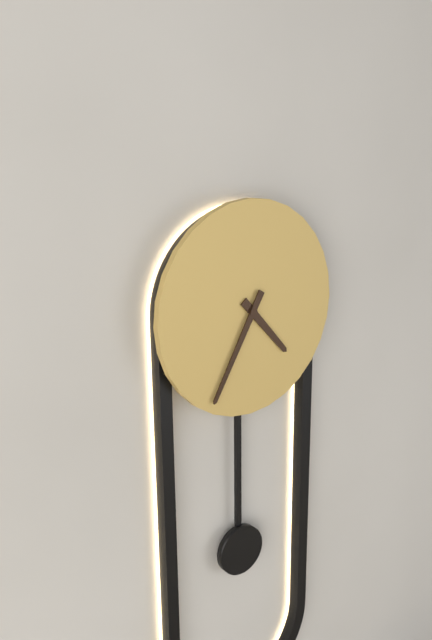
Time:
4:35
